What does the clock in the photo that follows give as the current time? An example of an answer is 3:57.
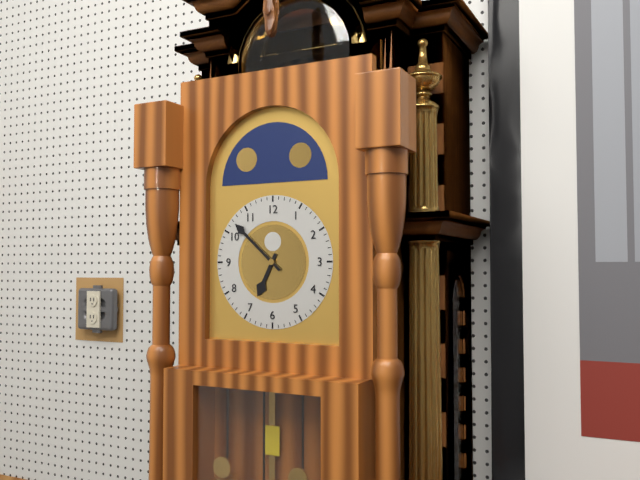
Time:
6:52
